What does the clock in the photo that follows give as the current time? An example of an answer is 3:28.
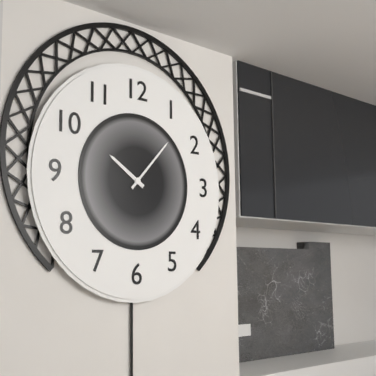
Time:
10:07
